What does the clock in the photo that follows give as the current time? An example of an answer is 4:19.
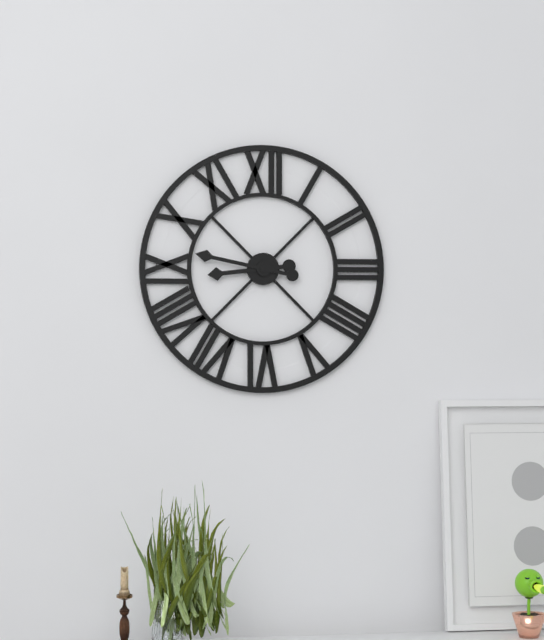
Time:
8:47
